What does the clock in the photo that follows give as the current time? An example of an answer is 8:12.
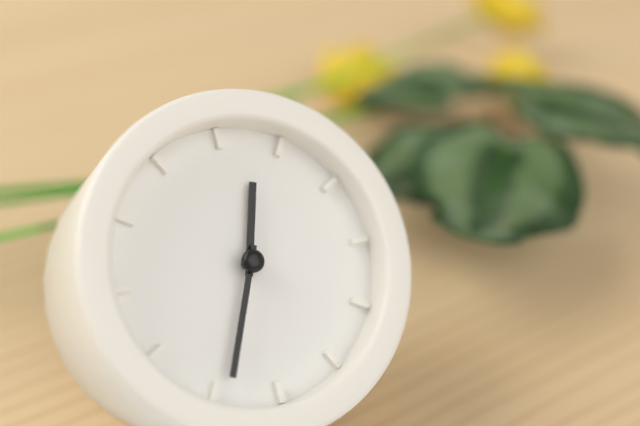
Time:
12:34
